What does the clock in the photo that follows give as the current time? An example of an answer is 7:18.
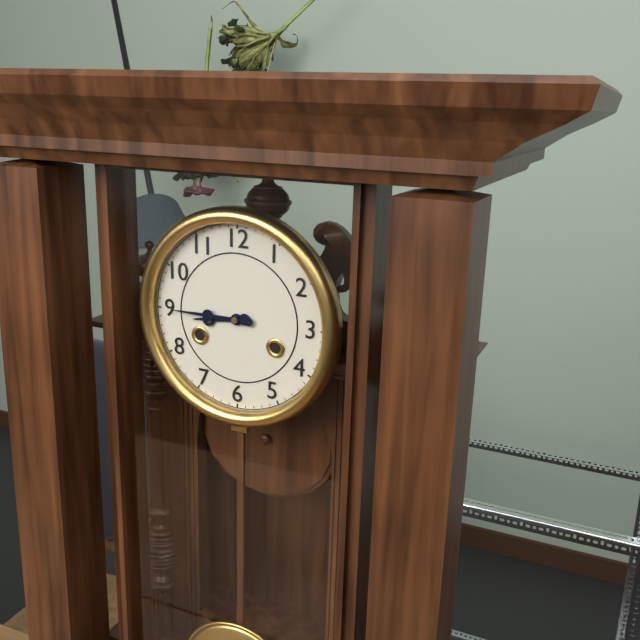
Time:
8:45
